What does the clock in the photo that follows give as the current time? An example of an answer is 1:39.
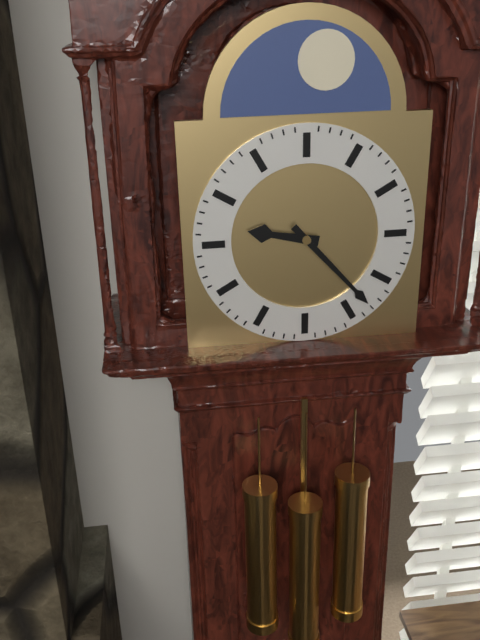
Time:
9:23
